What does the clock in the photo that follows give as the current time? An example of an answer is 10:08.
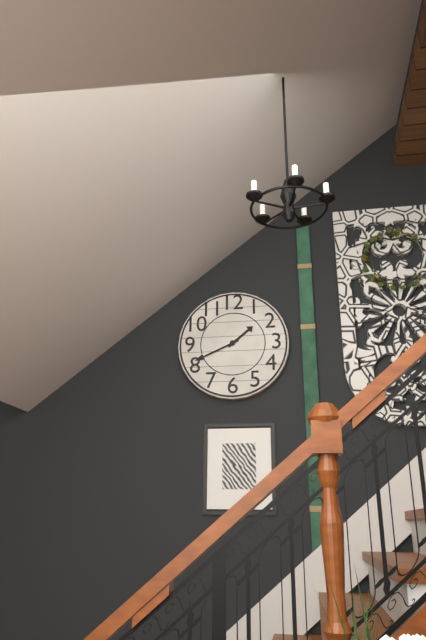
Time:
1:41
